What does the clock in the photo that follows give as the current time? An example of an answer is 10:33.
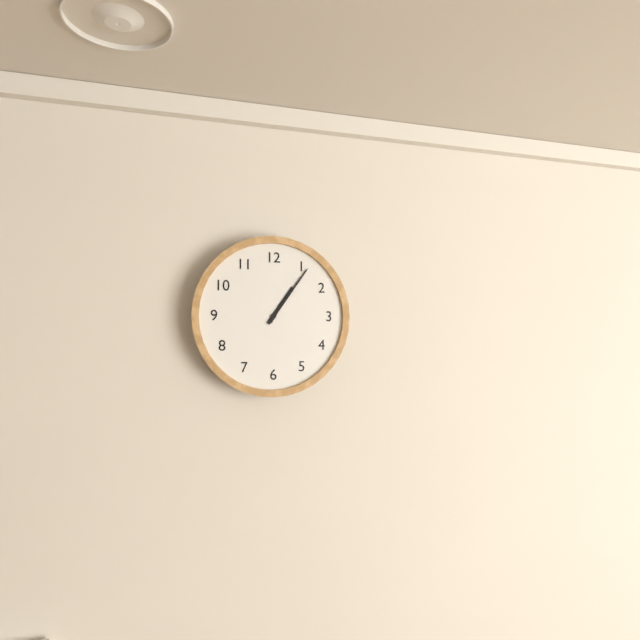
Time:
1:06
